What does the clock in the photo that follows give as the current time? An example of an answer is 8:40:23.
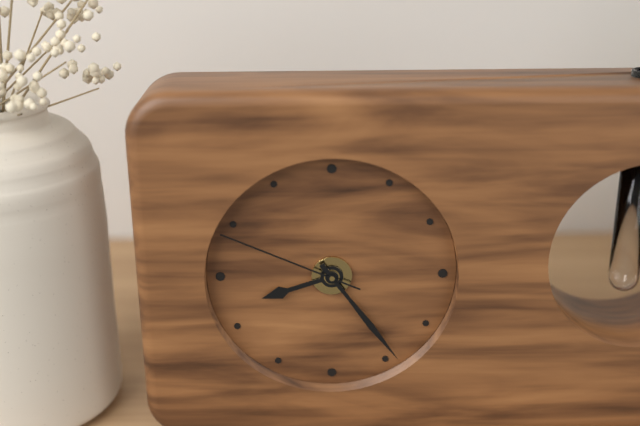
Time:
8:24:49
